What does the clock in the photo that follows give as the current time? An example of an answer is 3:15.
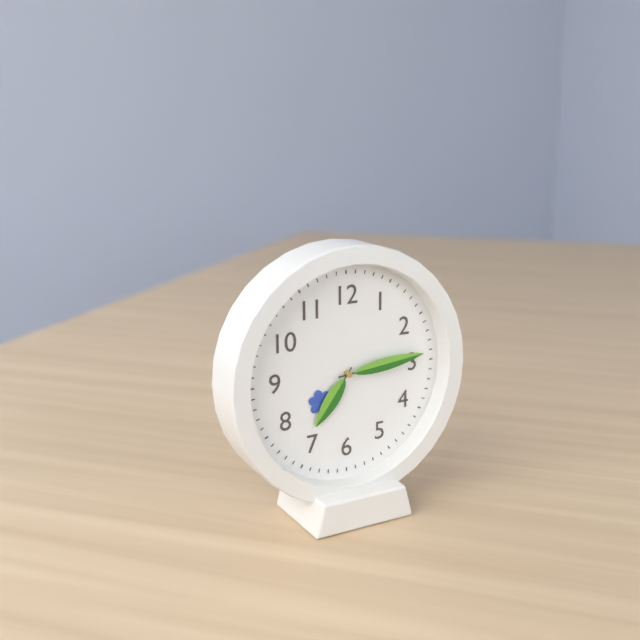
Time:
7:14
